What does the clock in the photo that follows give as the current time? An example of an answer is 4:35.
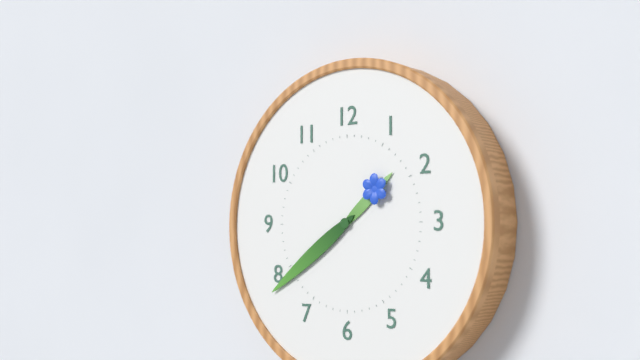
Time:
1:39
